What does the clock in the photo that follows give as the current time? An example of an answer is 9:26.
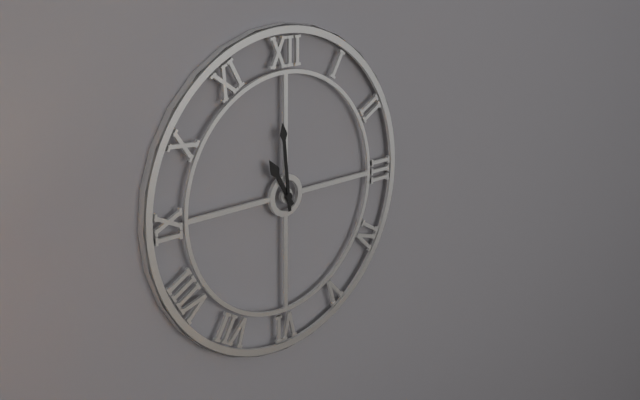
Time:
10:59
